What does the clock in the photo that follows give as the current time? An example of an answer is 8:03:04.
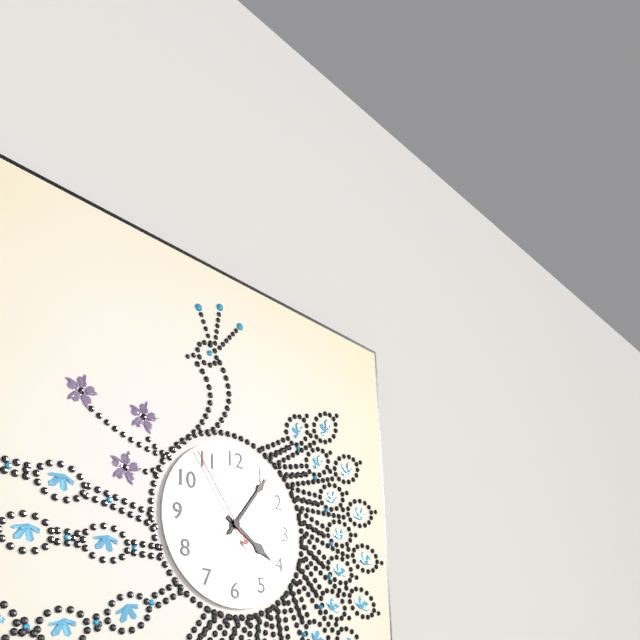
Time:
4:06:54
